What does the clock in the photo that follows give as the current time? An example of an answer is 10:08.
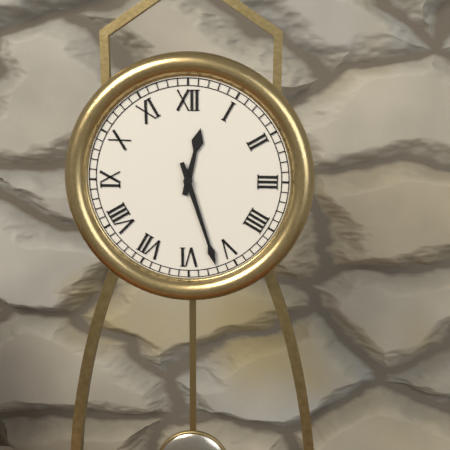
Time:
12:27
